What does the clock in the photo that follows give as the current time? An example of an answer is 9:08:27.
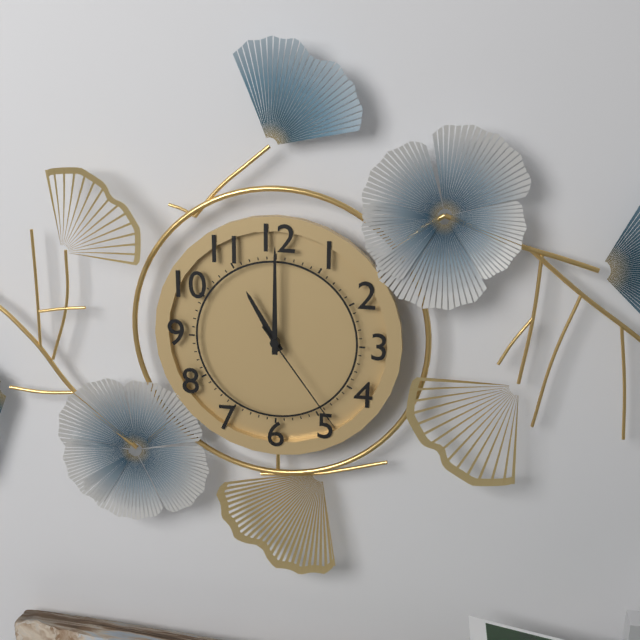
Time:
11:00:24
